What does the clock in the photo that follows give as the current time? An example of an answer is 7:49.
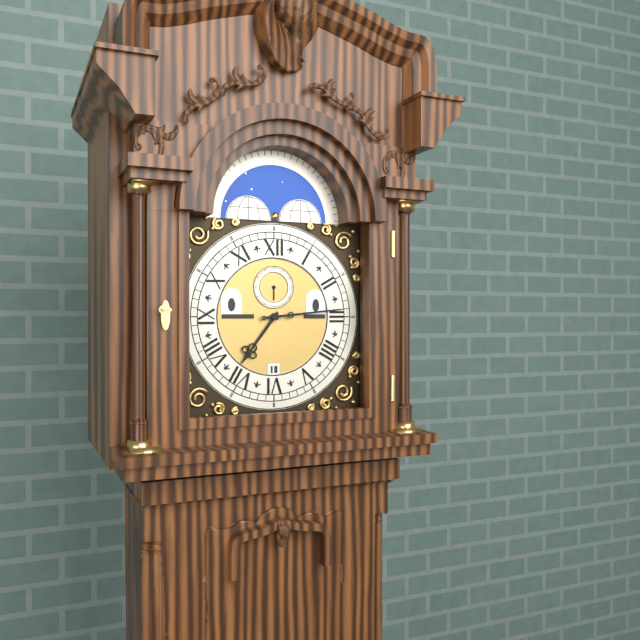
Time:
7:14
